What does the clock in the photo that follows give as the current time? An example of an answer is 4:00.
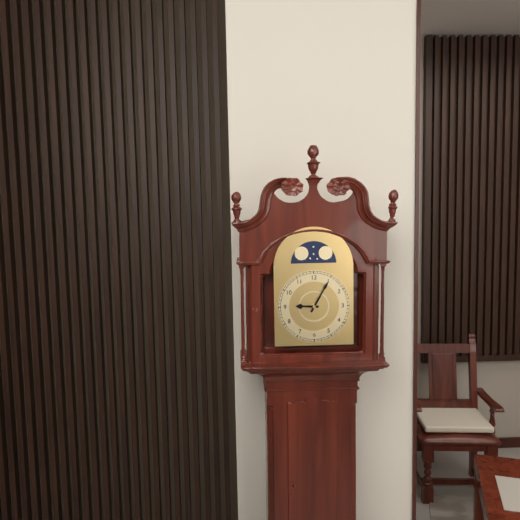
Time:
9:05
